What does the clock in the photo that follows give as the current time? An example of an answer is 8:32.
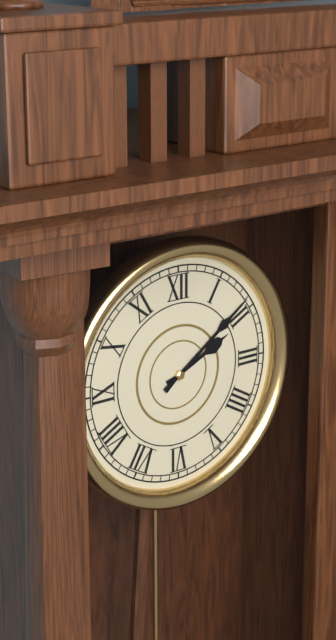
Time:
2:09
